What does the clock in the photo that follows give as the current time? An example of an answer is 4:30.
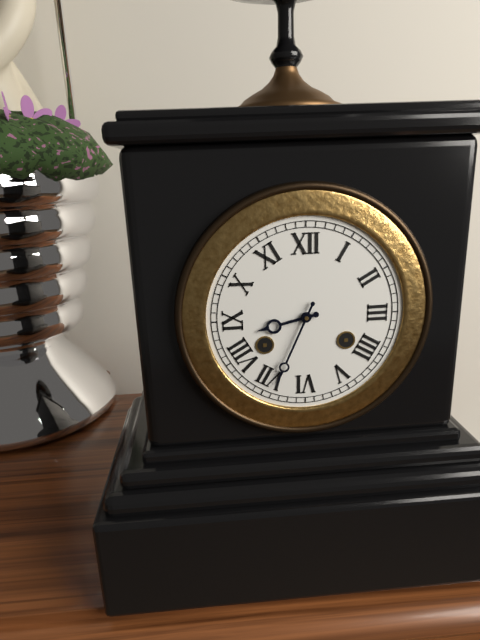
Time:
8:34
